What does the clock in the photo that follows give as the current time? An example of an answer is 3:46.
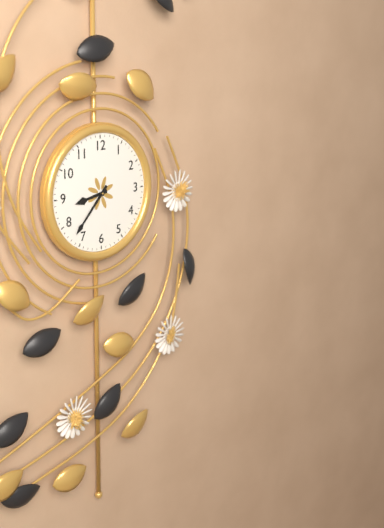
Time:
8:37
